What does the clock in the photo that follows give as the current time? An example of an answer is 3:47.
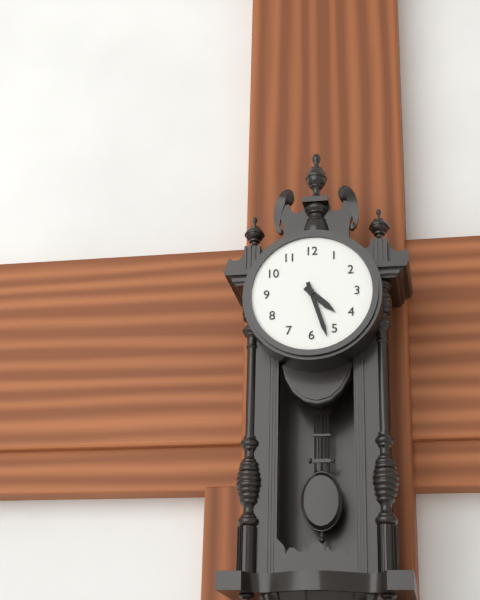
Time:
4:27
